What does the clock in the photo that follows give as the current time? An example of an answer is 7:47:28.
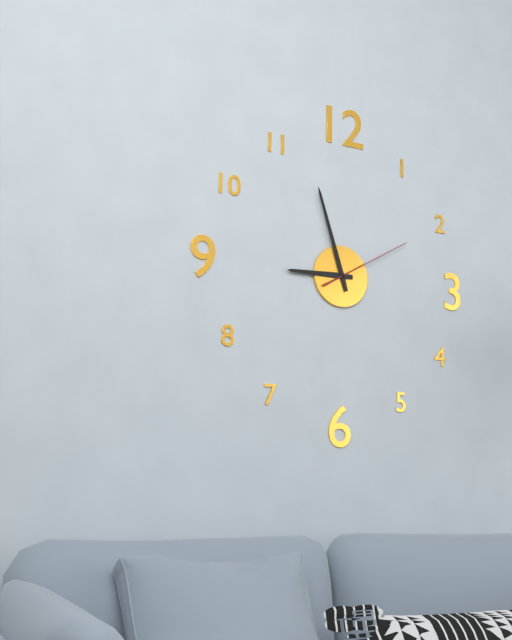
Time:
8:57:10
